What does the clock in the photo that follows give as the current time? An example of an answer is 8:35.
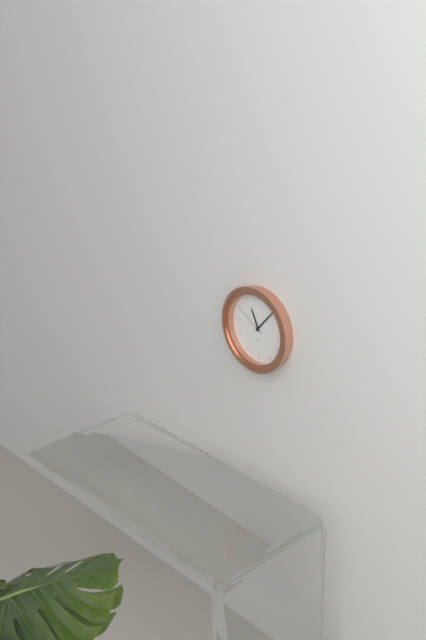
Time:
11:07
